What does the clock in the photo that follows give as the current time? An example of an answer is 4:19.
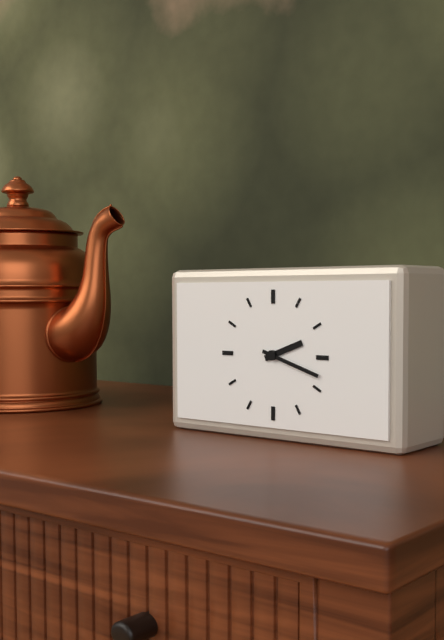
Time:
2:18
